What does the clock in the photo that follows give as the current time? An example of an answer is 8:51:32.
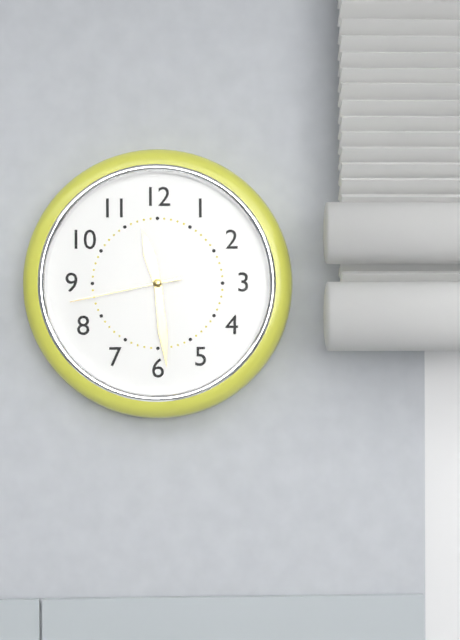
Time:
11:29:43
